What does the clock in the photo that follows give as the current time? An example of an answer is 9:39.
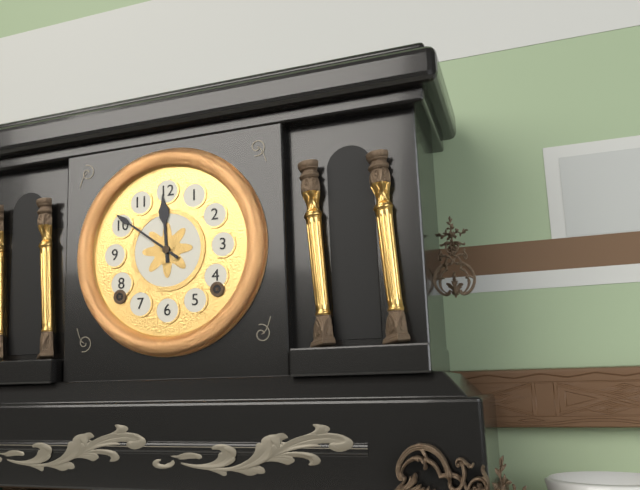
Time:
11:51
